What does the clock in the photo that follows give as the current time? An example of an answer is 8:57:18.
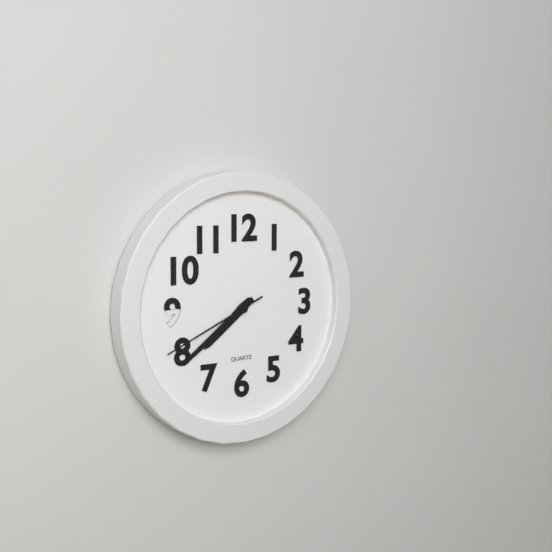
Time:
7:39:41
